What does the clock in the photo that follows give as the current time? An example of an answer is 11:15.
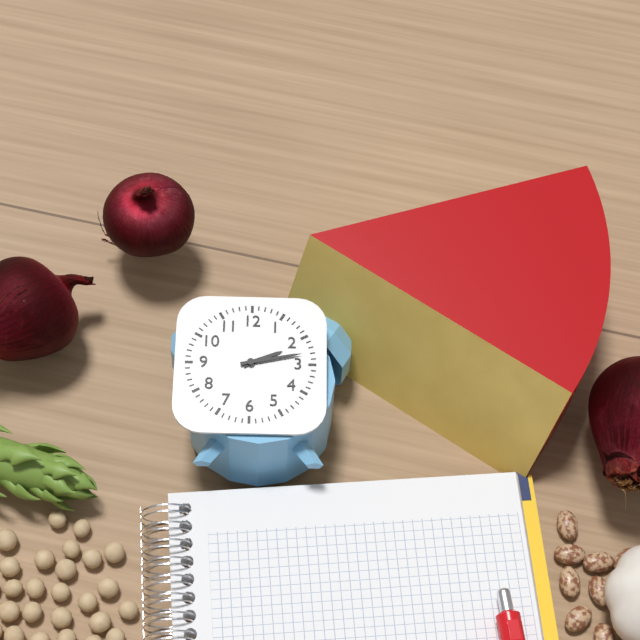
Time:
2:13
